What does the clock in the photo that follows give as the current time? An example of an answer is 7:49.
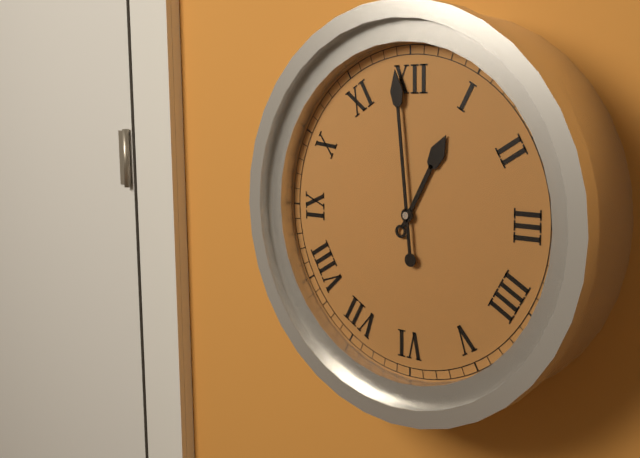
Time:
12:59
